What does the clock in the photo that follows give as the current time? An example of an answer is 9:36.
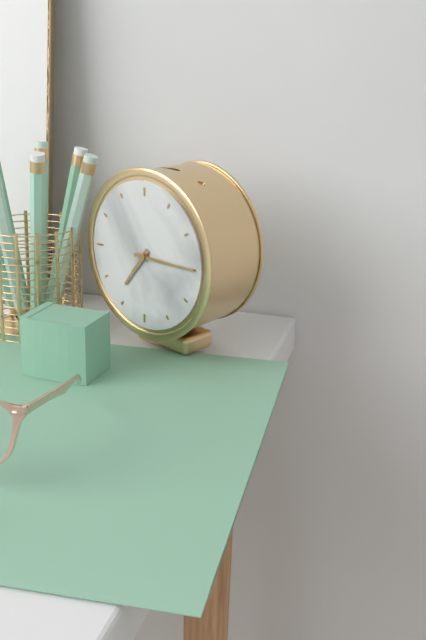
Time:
7:15
